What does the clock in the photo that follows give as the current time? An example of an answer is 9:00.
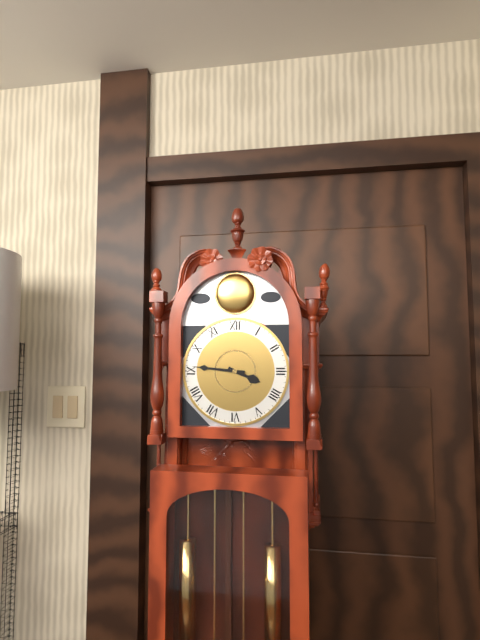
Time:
3:46
